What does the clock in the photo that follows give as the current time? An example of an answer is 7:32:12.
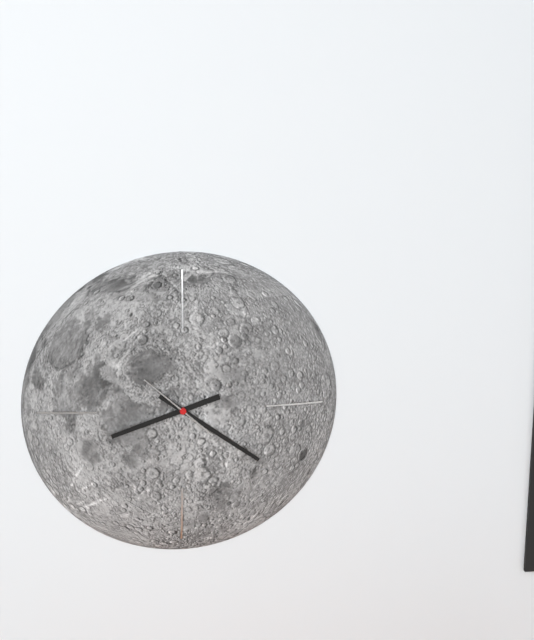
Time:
8:21:52
